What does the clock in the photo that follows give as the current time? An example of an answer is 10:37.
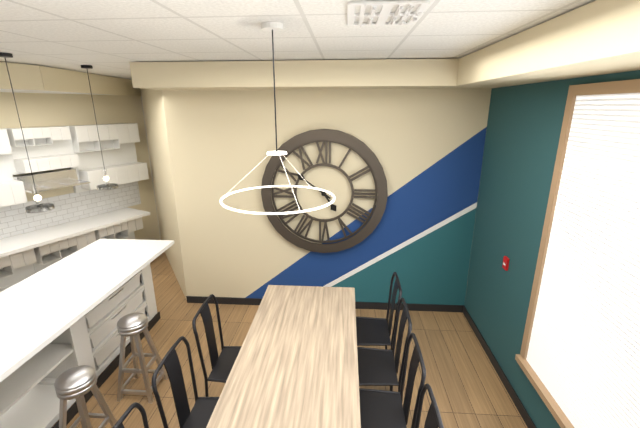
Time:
4:51
